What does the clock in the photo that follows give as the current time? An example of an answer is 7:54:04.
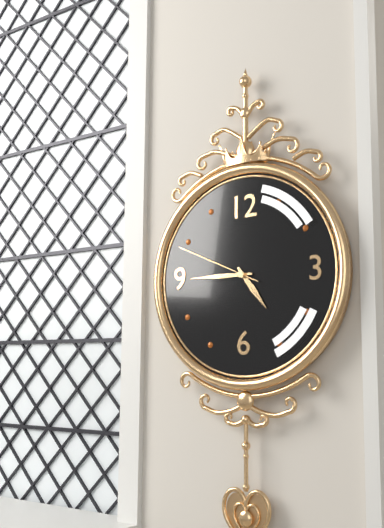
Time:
4:45:49
